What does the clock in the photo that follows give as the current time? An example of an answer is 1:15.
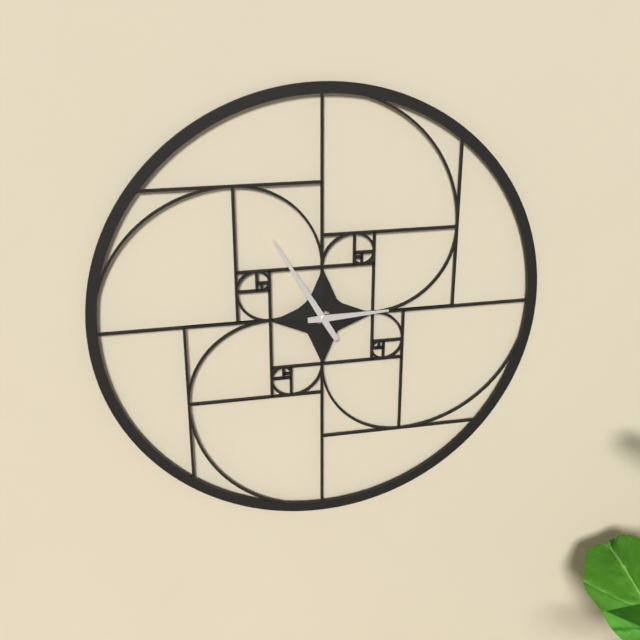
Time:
2:55
